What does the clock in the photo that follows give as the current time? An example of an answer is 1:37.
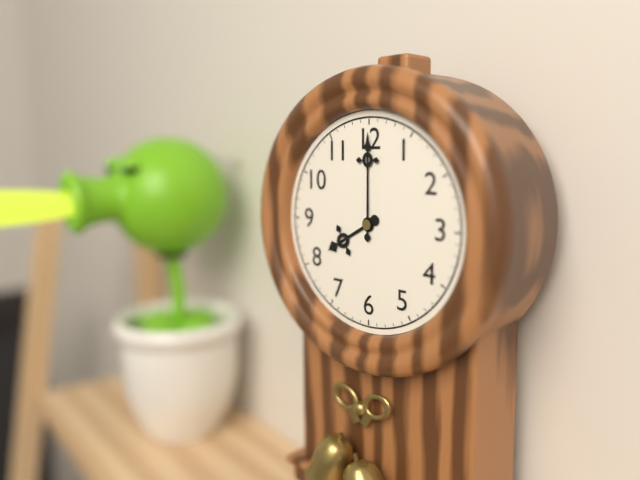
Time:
8:00
